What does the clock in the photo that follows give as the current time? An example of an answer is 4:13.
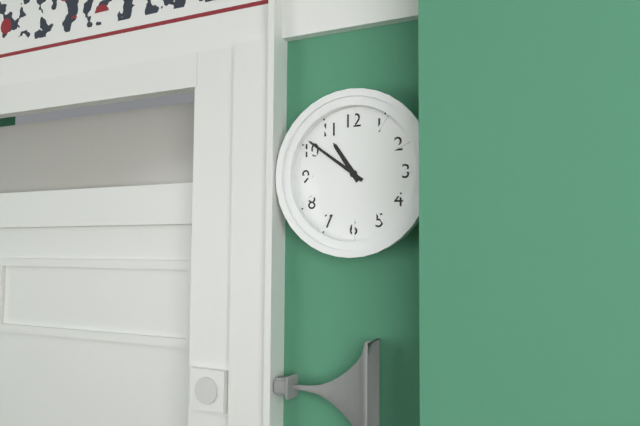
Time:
10:51
